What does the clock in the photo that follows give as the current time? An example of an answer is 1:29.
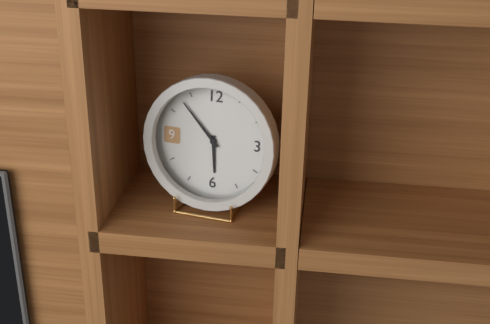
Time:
5:53
